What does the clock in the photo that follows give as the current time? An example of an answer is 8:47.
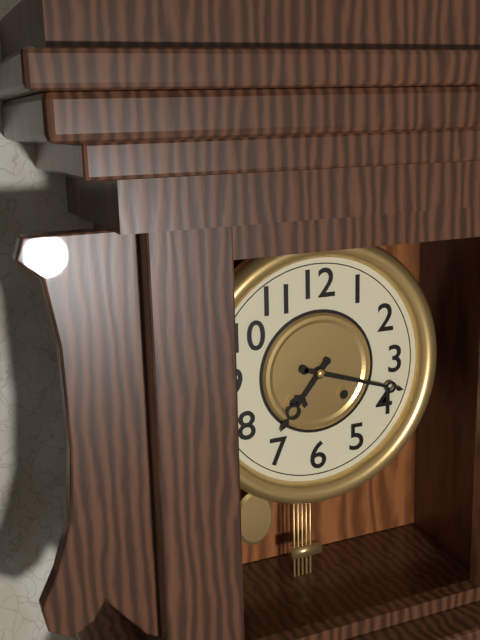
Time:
7:18
